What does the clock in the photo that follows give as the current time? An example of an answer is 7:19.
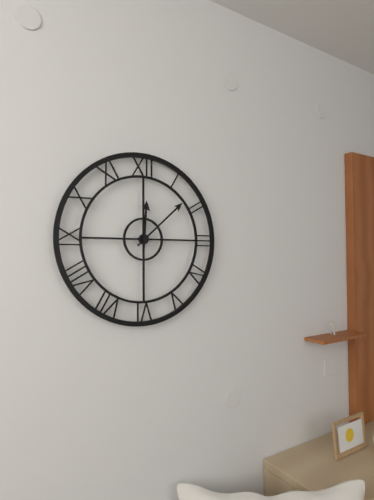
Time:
12:08
